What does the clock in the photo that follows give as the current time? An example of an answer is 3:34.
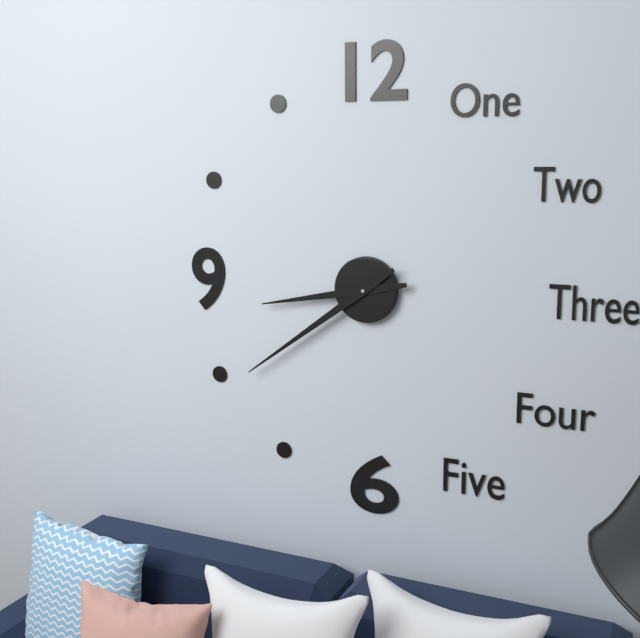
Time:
8:39
